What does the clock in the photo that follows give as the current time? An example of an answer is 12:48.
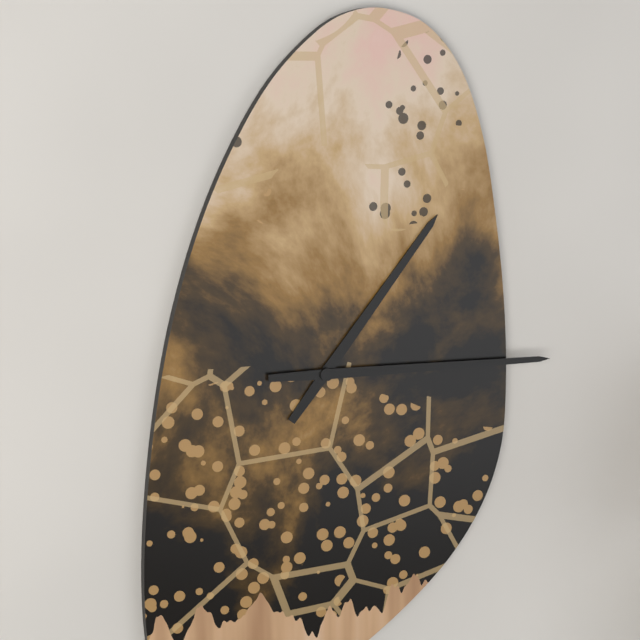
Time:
1:15
